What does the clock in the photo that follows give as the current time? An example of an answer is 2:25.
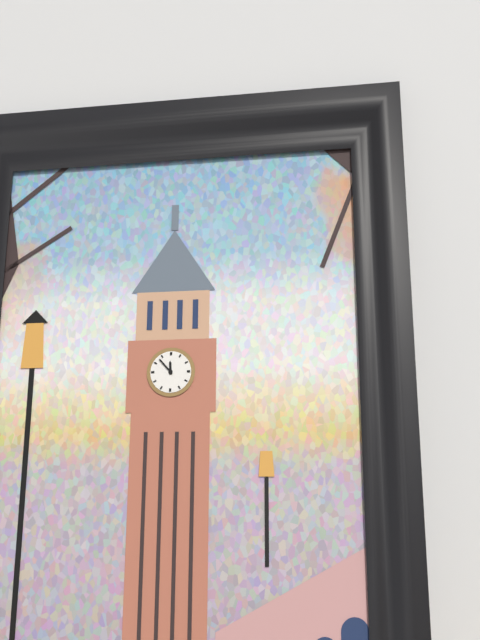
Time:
11:53
